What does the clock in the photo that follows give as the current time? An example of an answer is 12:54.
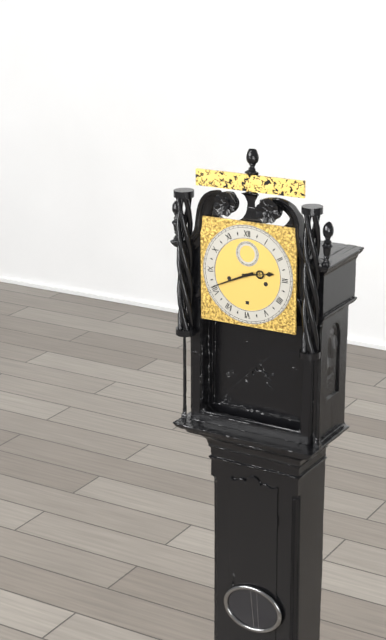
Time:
2:41
